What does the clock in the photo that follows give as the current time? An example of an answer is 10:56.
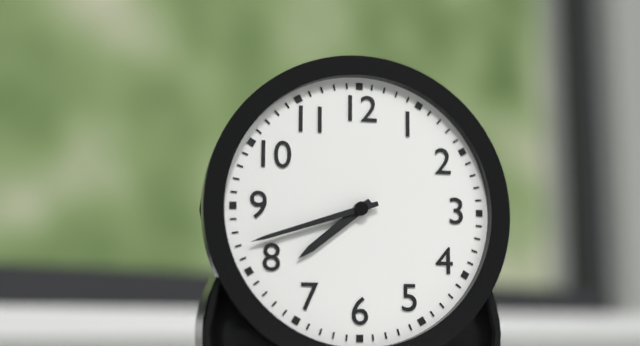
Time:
7:42
